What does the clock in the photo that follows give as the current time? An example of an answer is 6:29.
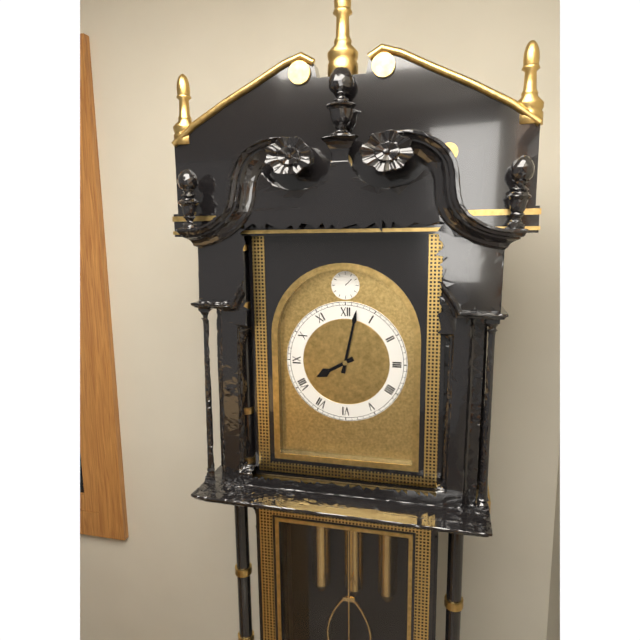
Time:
8:02
